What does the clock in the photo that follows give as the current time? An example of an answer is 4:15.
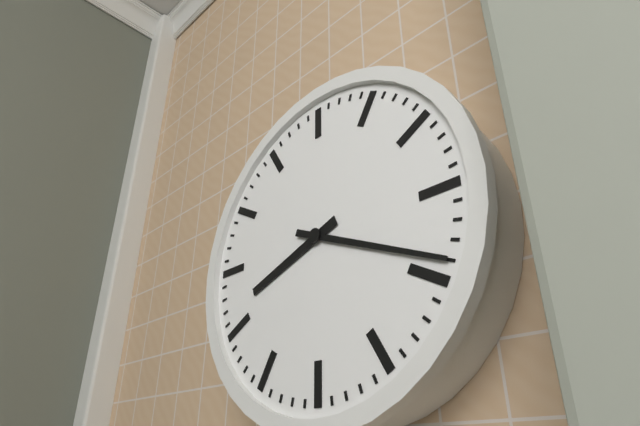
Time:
8:19
